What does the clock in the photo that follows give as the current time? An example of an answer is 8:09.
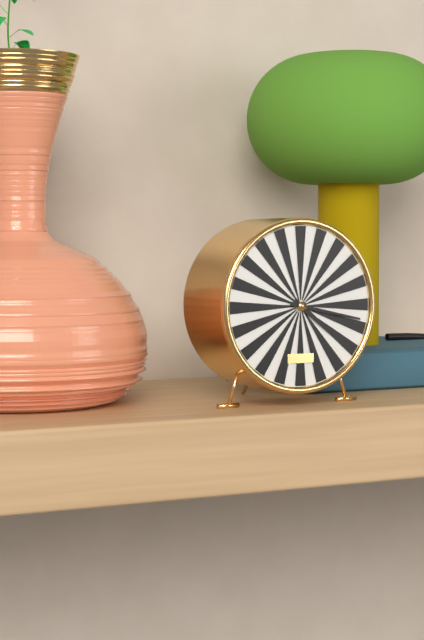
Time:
4:17
